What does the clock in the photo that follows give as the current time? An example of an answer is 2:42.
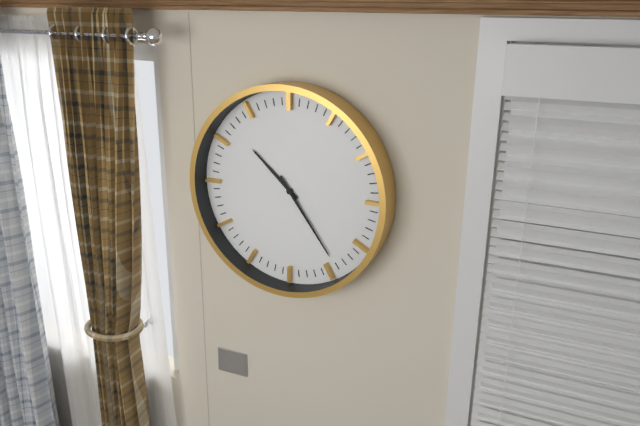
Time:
10:24
